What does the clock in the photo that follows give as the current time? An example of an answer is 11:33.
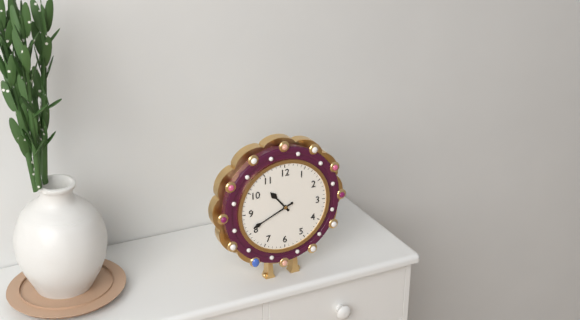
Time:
10:41
